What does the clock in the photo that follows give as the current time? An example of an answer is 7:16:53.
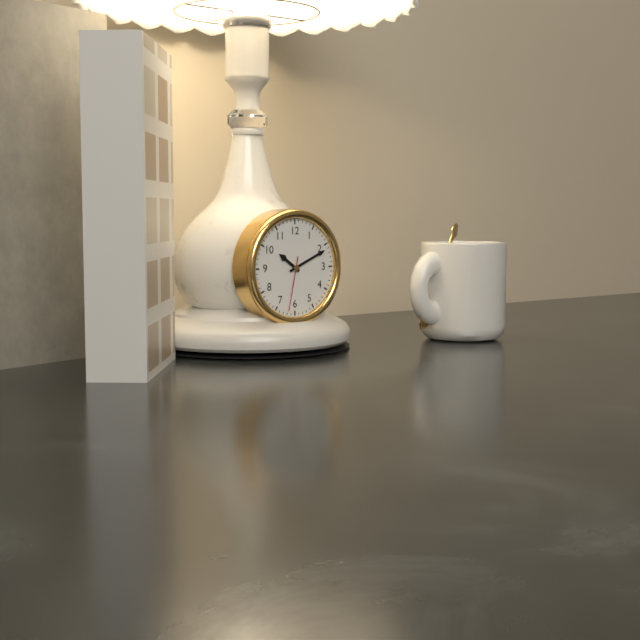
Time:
10:11:32
